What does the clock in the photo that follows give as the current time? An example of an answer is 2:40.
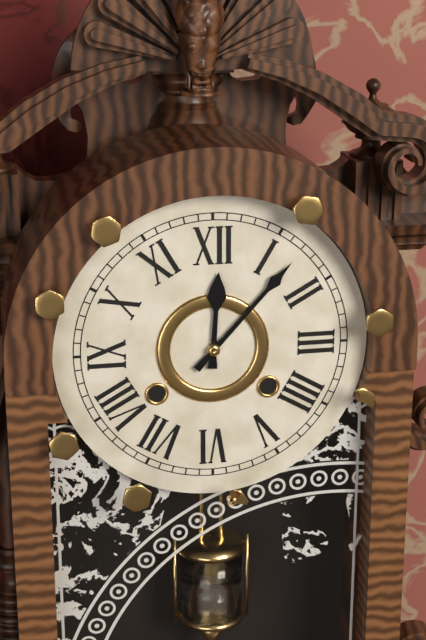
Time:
12:07
